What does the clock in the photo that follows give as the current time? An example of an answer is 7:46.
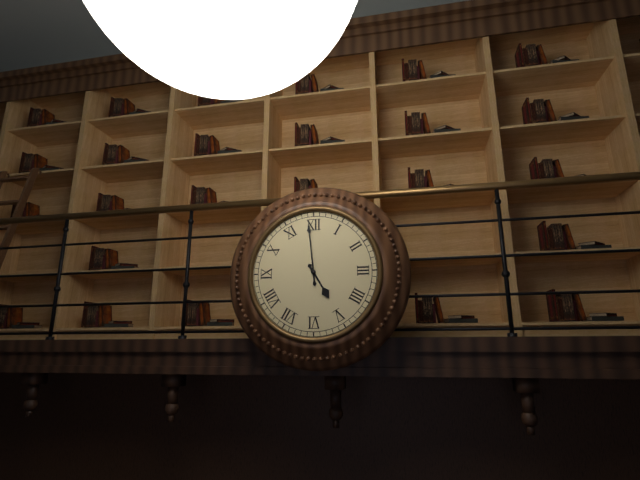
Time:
4:59
